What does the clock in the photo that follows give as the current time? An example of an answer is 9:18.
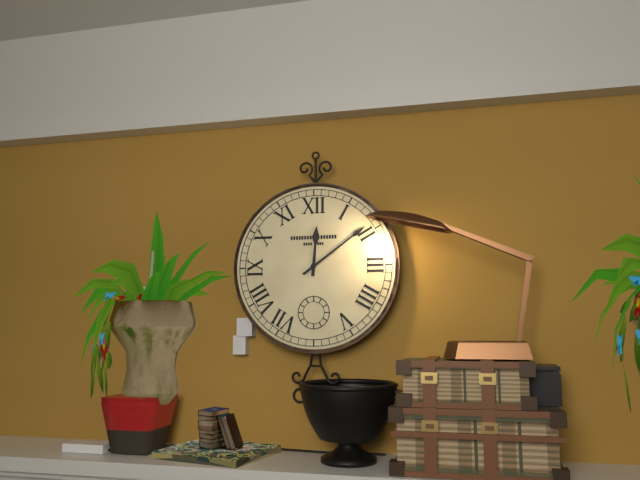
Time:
12:09
